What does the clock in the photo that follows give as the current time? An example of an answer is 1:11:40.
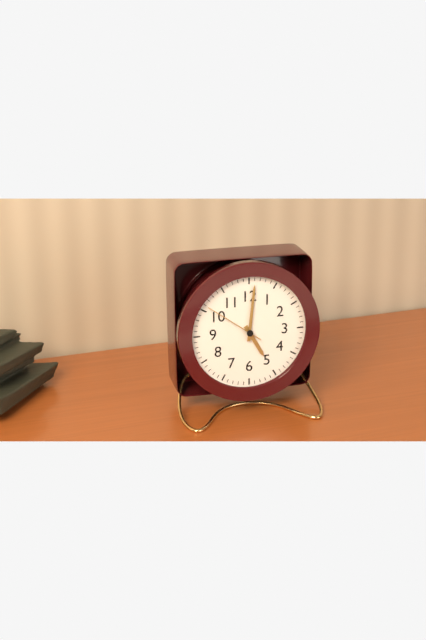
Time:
5:01:51
